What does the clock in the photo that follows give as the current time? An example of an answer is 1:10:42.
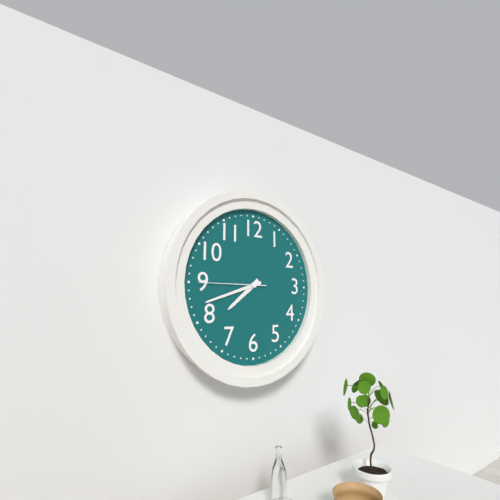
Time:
7:42:45
